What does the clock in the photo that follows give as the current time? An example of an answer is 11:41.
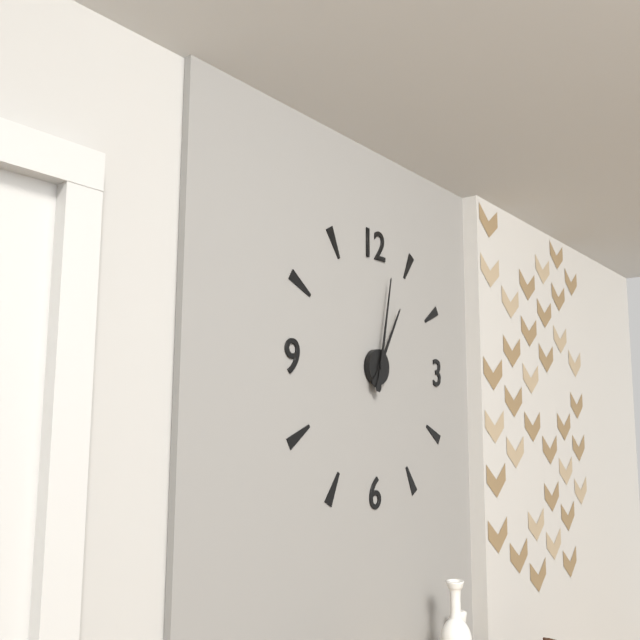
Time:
1:02
